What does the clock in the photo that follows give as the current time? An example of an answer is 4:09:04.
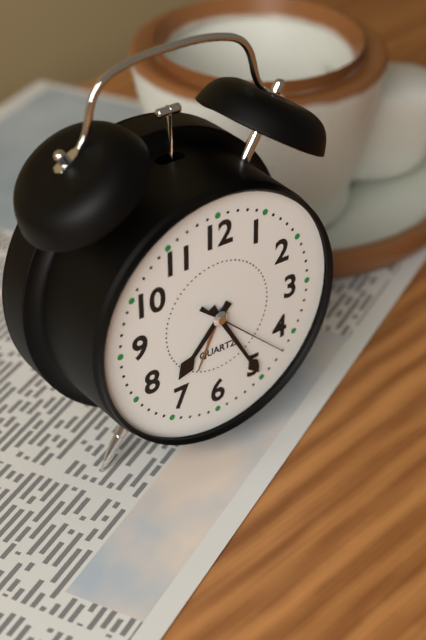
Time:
7:25:22
